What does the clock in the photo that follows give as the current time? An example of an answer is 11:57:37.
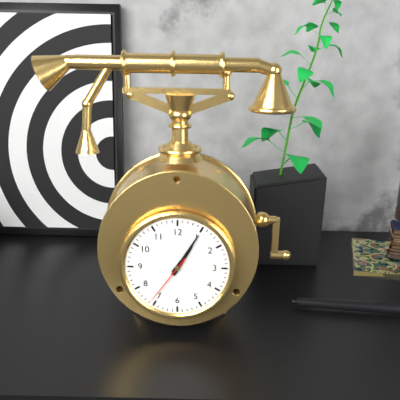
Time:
1:05:36
